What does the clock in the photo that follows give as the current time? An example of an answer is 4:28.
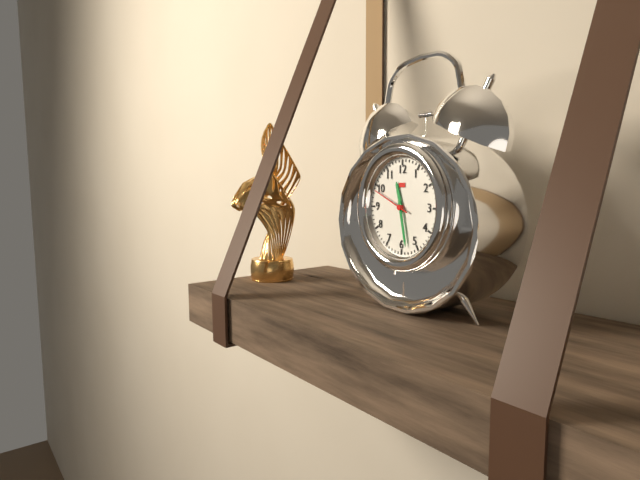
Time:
11:28
